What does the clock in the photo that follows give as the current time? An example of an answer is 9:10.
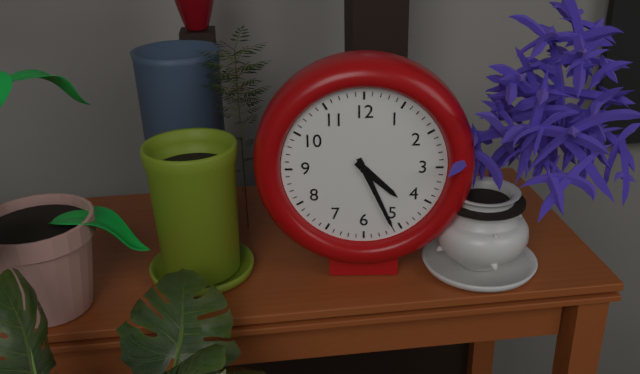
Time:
4:26
